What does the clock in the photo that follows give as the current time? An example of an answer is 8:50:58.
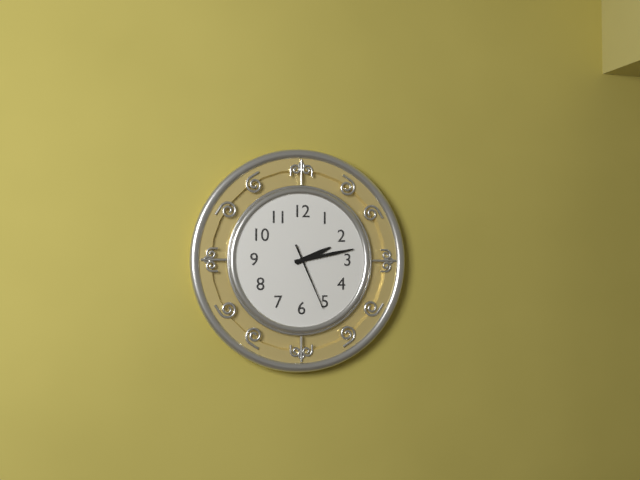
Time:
2:13:26
